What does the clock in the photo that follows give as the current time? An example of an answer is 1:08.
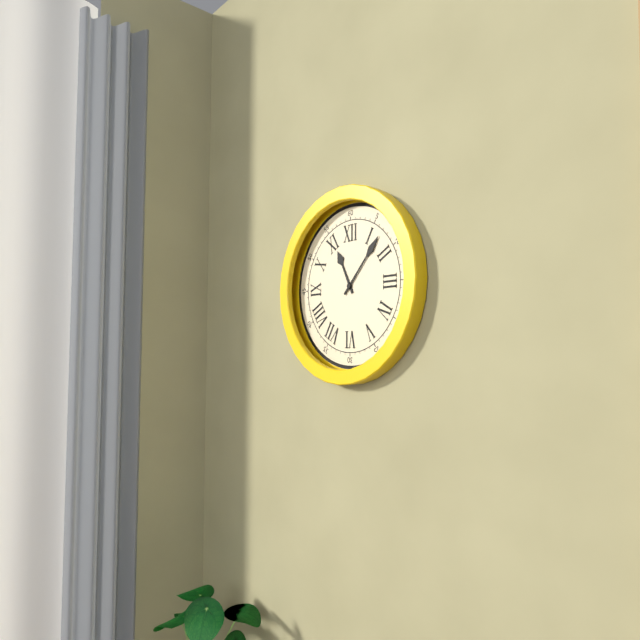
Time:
11:07
